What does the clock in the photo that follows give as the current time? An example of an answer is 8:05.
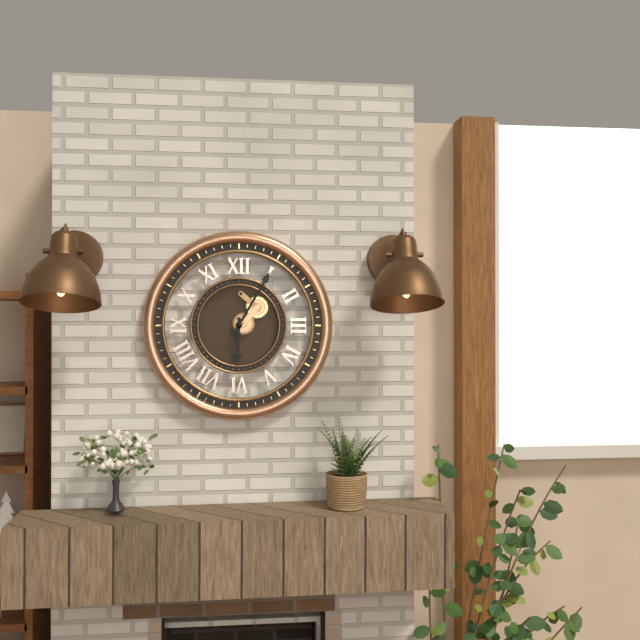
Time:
6:05
